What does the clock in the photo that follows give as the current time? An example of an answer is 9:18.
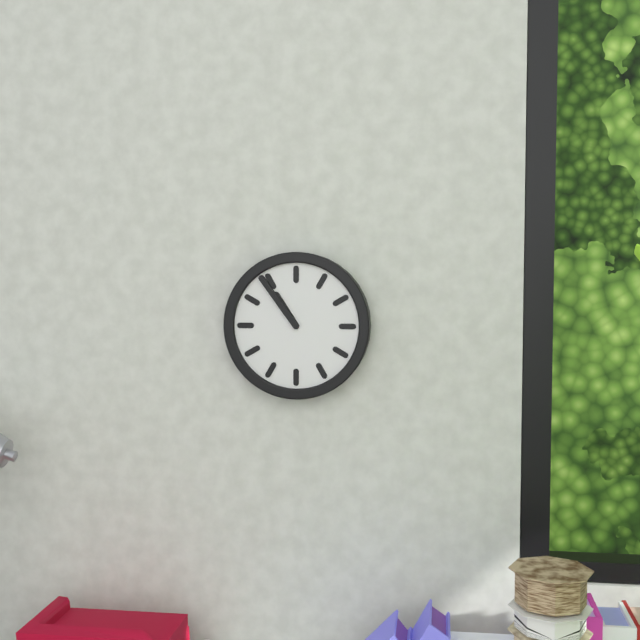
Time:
10:54
